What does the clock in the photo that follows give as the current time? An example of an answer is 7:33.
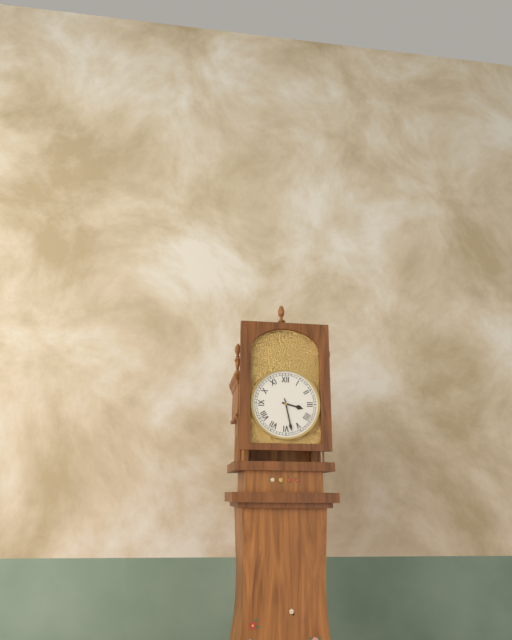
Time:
3:28
